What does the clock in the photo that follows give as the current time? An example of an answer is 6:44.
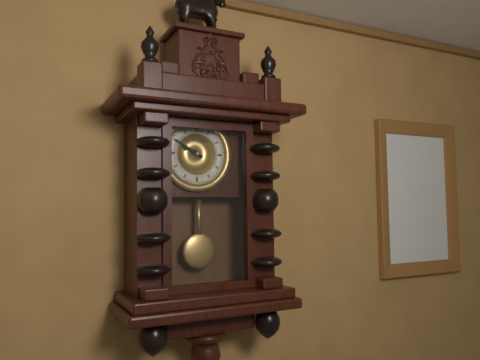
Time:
9:50
